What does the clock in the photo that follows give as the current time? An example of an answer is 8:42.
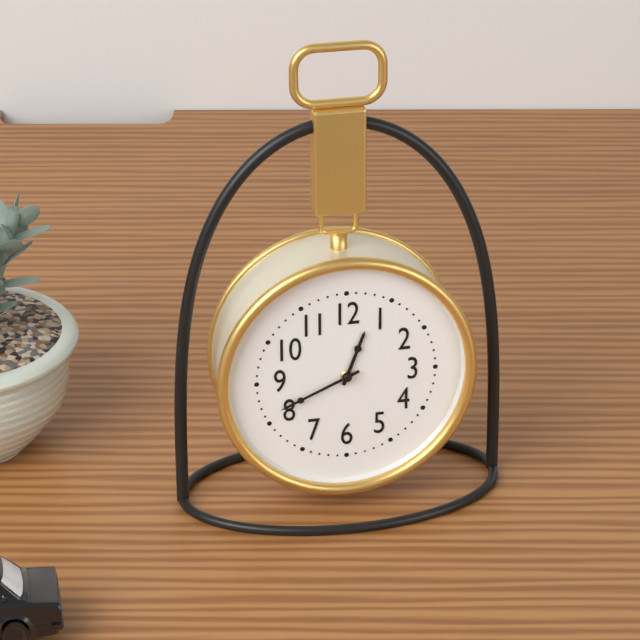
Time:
12:41
